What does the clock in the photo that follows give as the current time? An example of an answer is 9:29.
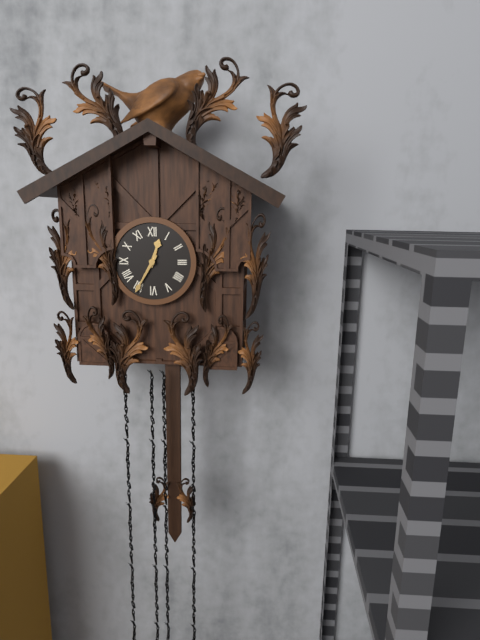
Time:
12:35
